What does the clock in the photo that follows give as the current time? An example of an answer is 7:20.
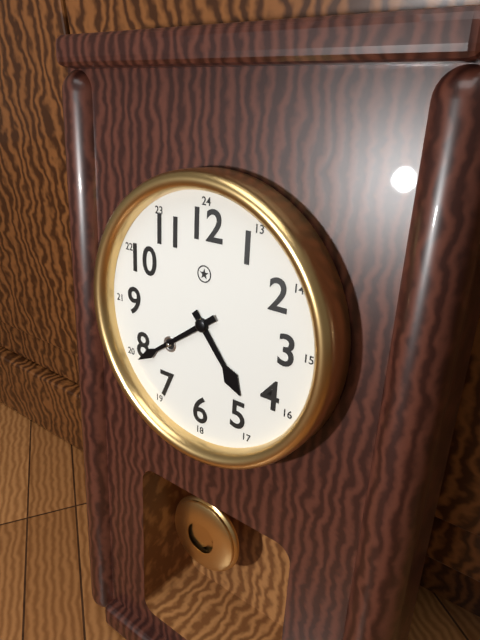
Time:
4:39
